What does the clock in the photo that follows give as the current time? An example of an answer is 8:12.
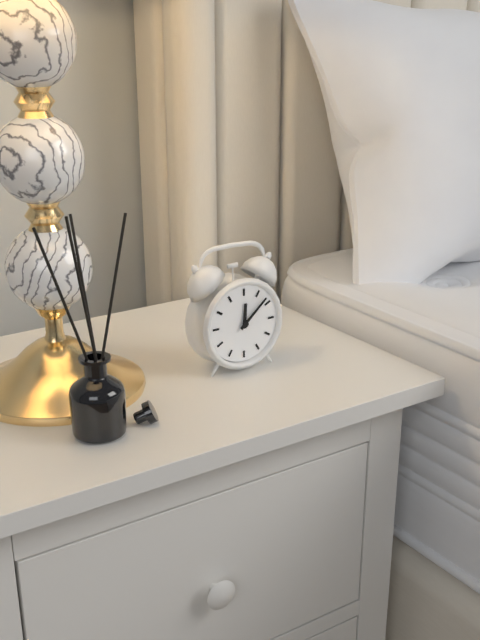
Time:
12:08
